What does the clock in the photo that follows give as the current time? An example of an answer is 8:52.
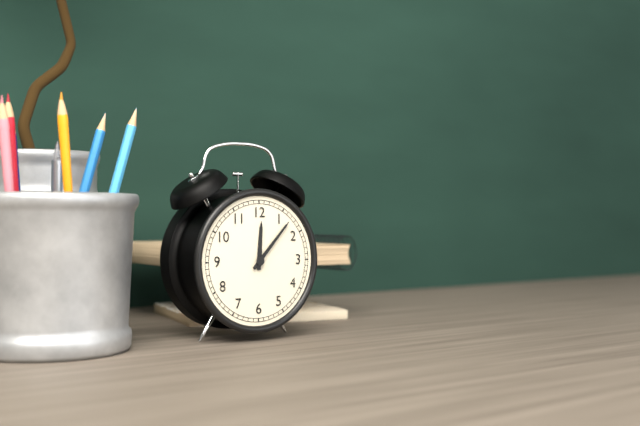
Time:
12:07
